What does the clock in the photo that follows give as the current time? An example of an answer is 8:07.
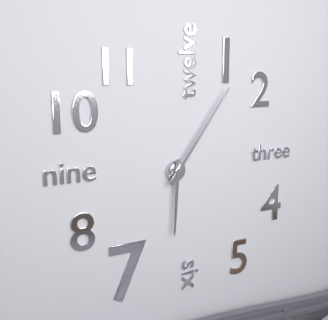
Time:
6:06
